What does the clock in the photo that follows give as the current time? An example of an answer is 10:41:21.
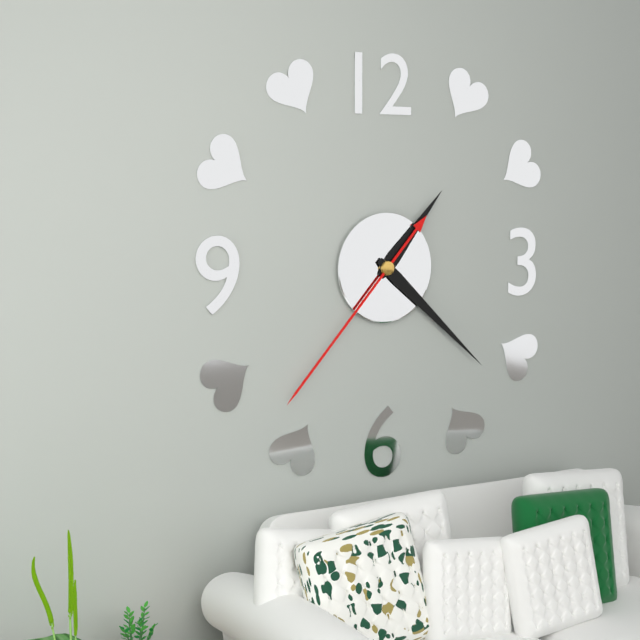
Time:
1:22:37
